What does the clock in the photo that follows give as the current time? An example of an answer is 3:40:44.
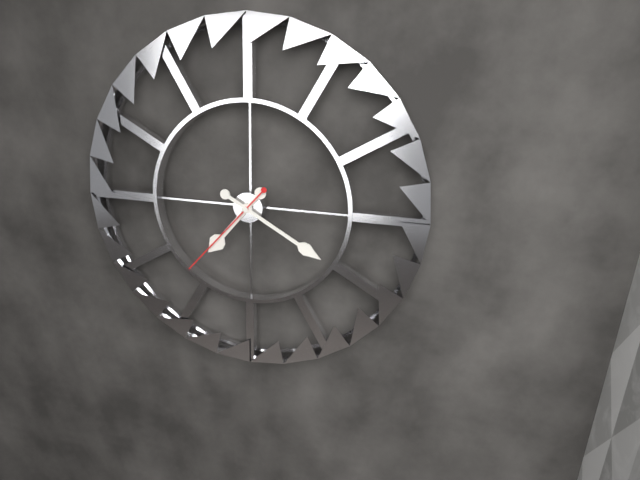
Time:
7:20:37
